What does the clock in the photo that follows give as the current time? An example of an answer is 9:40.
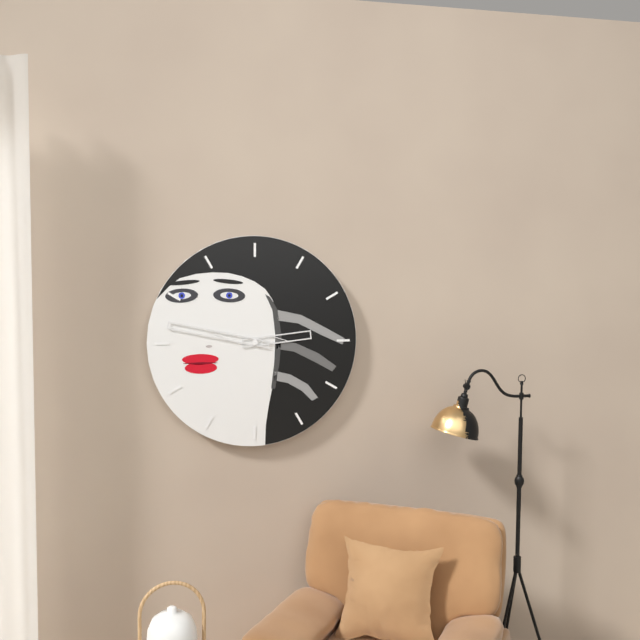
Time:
2:47
